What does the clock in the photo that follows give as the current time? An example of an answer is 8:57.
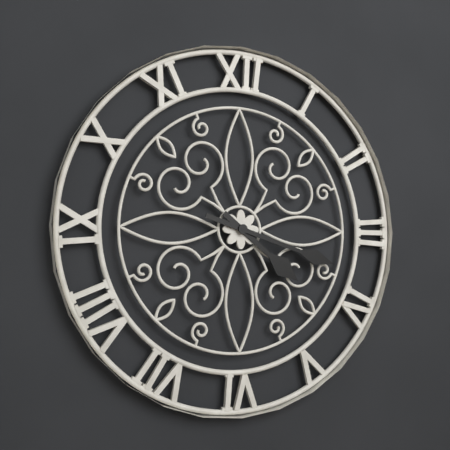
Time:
4:18
